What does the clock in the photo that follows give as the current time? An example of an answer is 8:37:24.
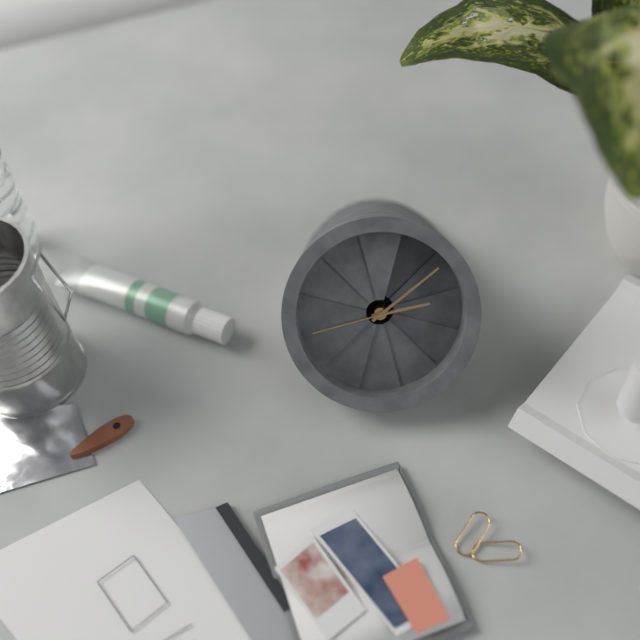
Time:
2:06:40
